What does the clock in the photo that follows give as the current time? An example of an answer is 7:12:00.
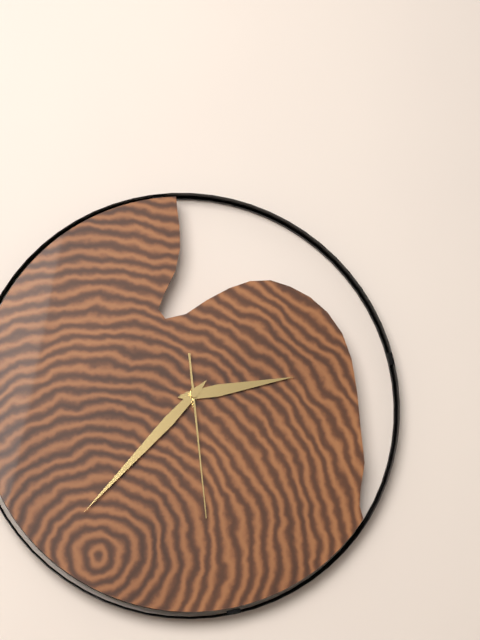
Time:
2:37:29
